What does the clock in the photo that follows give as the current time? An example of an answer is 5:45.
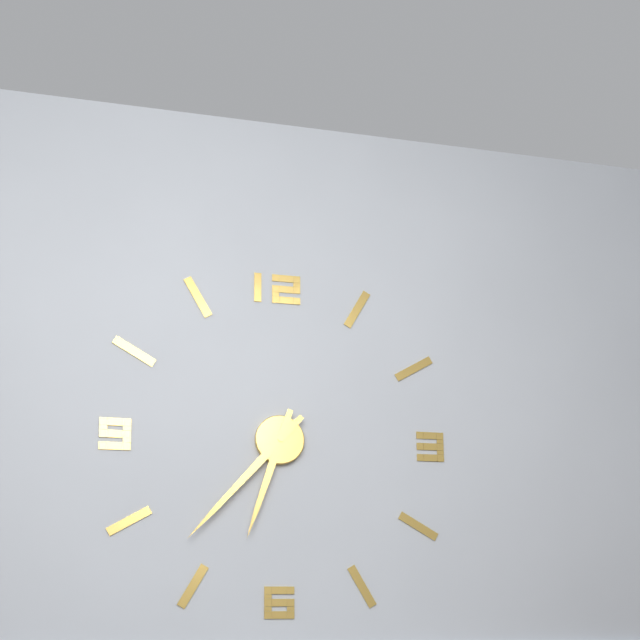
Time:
6:37
